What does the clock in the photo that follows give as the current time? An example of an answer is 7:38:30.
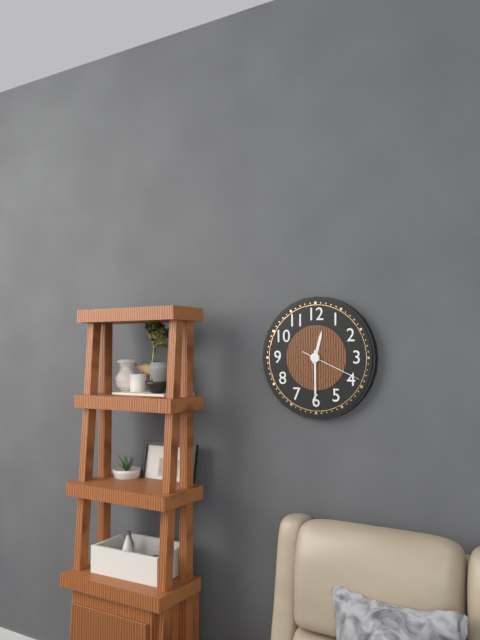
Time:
12:30:19
